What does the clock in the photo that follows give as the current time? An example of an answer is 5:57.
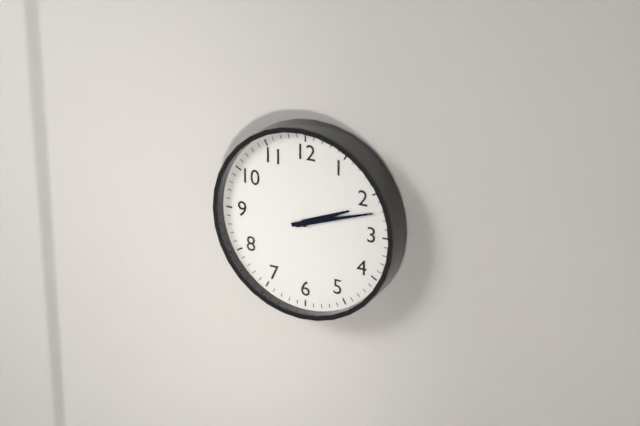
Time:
2:12
